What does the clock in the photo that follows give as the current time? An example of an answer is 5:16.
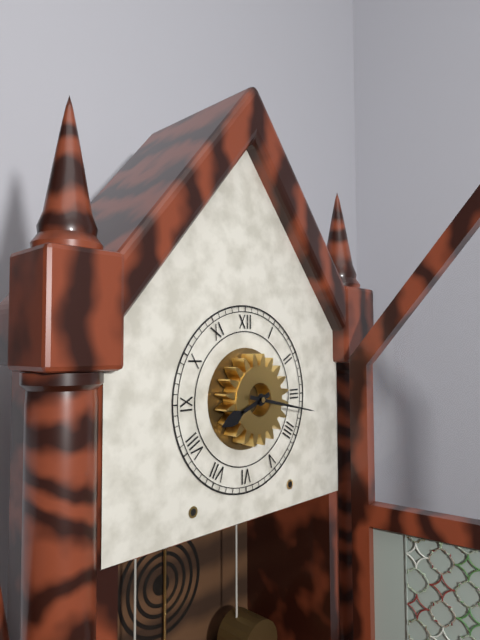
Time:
8:17
